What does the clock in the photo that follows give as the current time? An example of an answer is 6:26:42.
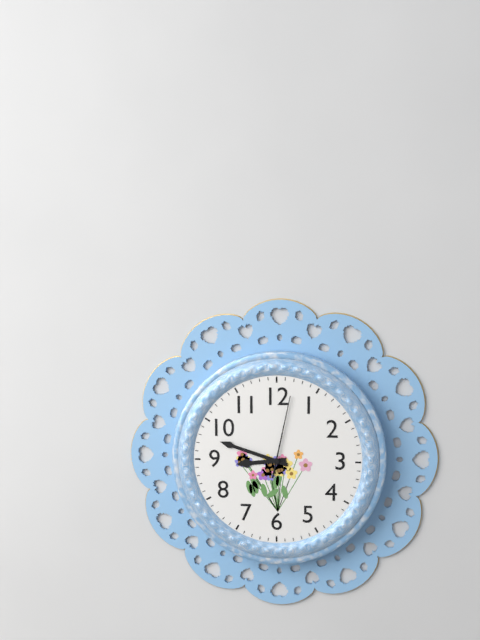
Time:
8:48:02
